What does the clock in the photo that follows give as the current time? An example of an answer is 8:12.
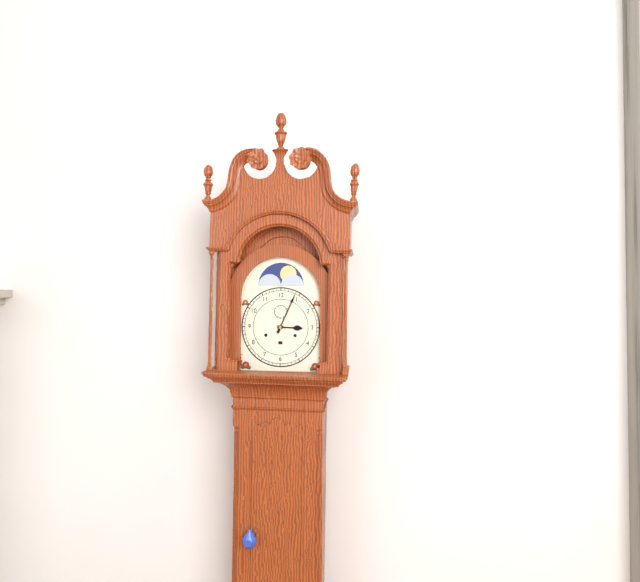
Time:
3:04
